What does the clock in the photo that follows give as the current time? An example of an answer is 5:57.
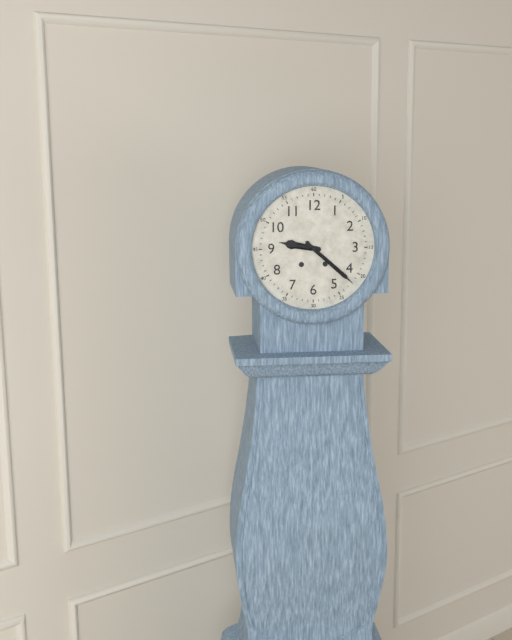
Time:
9:22
